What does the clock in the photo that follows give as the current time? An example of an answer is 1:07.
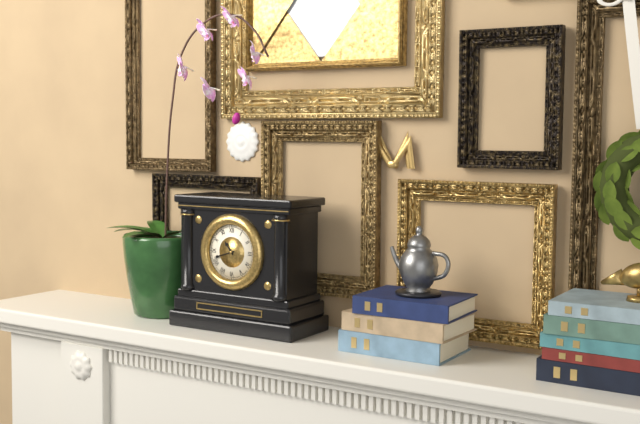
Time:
10:42
